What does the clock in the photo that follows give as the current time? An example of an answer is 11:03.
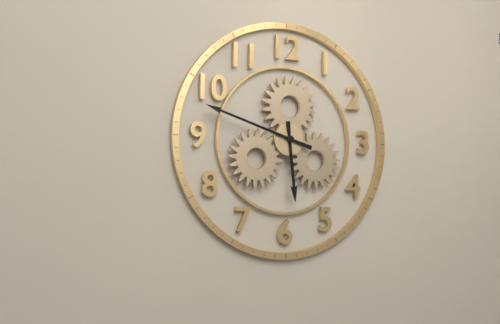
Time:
5:48
